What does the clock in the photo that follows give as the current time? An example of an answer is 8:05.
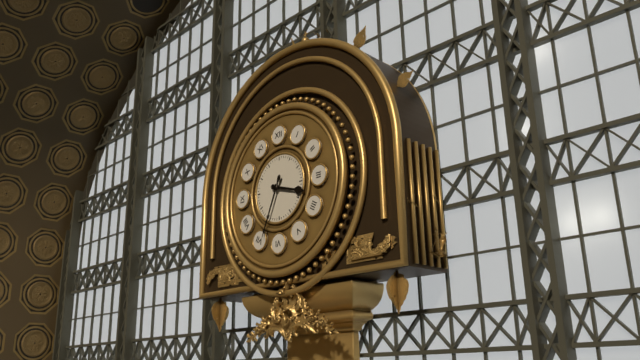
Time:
3:34
